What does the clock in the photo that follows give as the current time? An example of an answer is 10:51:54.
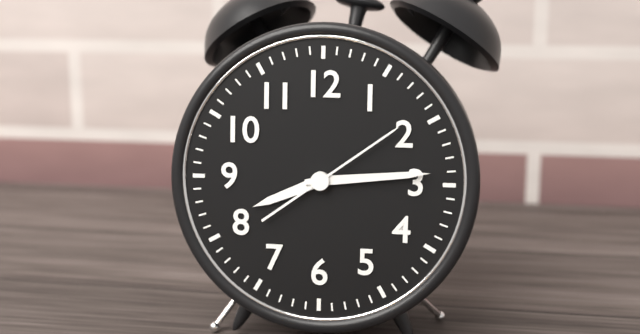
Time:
8:14:09
